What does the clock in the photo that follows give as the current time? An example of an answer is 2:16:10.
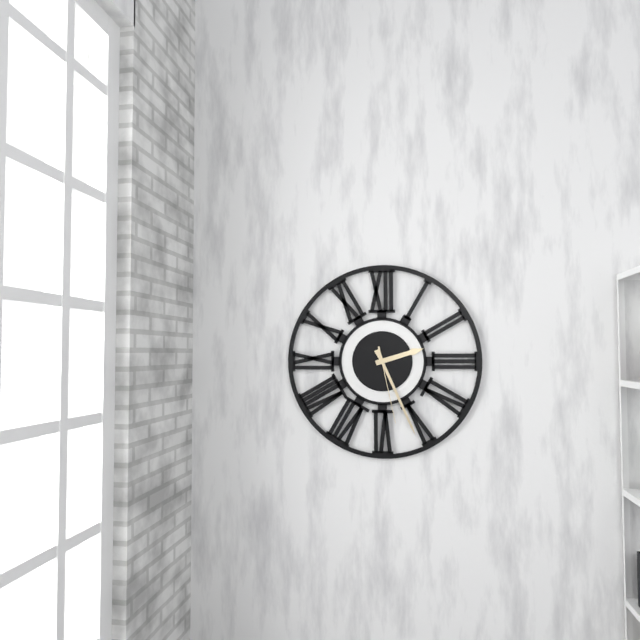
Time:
2:26:28
